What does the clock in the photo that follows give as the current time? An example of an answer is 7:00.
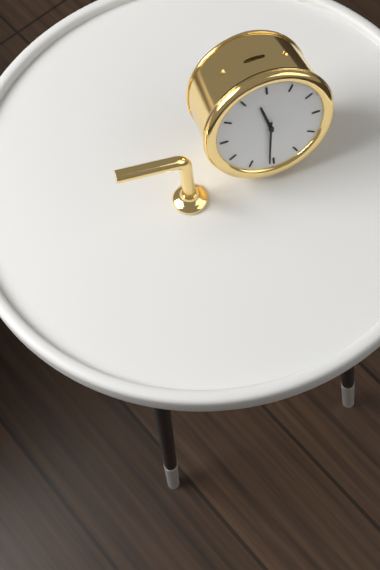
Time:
11:31
